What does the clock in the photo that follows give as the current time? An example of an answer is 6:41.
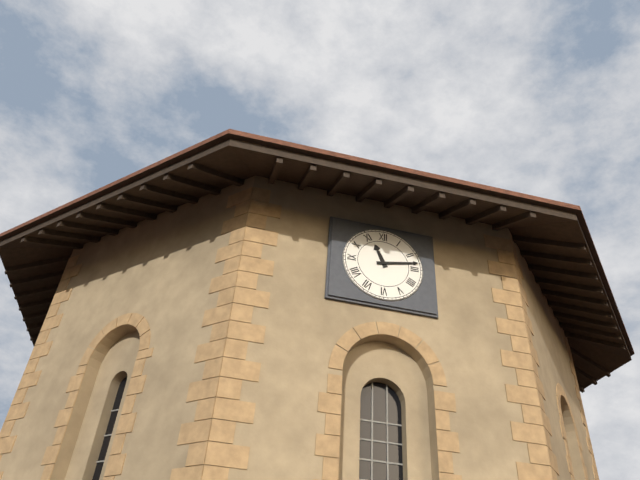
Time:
11:13
